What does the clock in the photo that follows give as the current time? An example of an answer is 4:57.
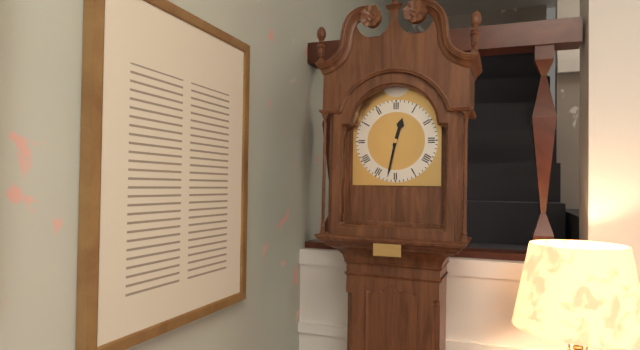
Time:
12:32
